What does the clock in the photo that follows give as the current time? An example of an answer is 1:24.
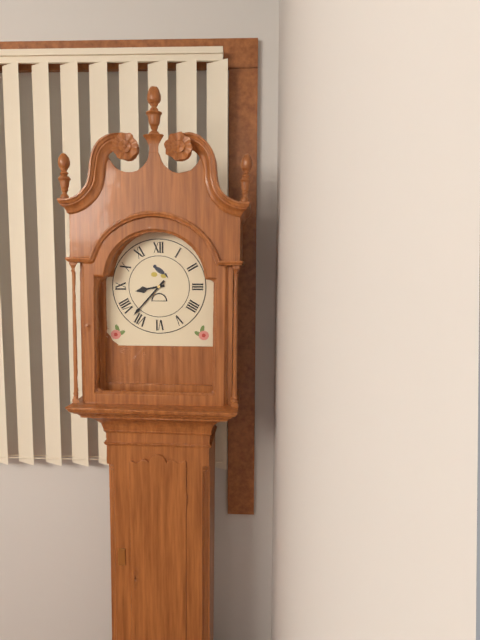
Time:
8:37
